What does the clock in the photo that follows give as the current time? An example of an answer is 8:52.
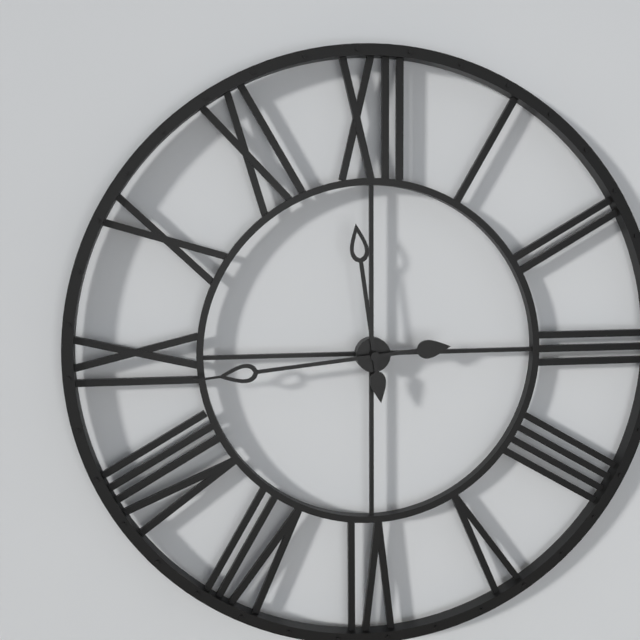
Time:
11:44
